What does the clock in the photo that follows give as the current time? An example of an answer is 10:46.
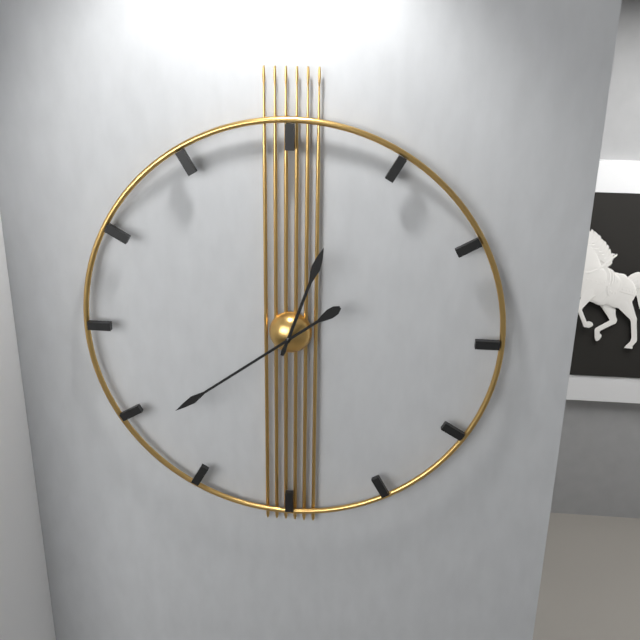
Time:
12:39
